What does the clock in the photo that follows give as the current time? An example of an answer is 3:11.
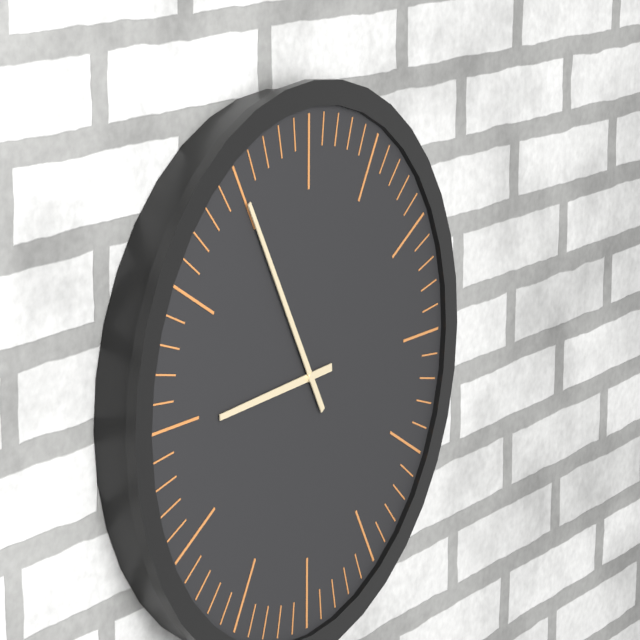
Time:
8:55
